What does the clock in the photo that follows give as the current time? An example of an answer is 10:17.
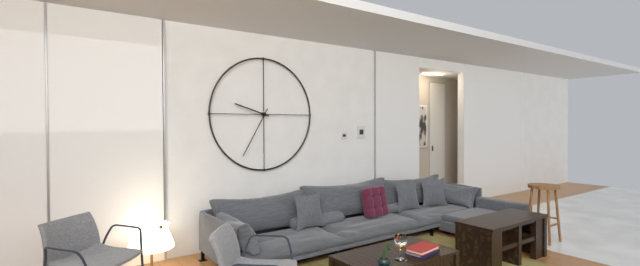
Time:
9:35
